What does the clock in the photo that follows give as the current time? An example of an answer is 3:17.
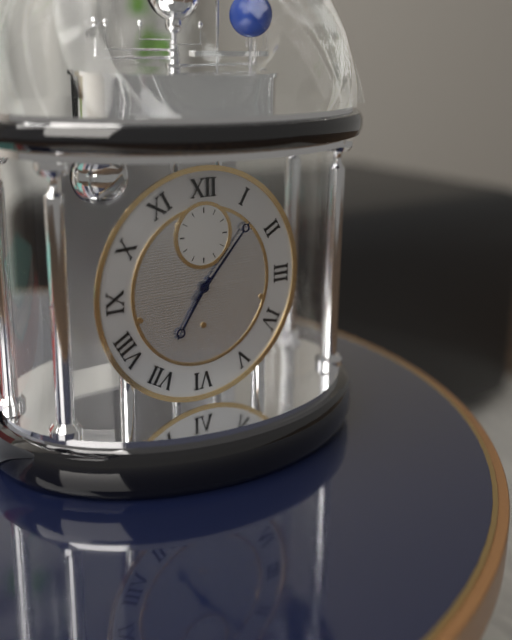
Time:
7:07
